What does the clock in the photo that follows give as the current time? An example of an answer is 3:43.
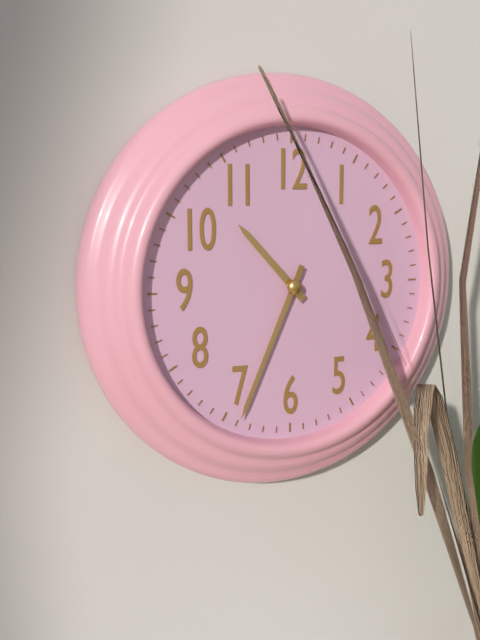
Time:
10:34
